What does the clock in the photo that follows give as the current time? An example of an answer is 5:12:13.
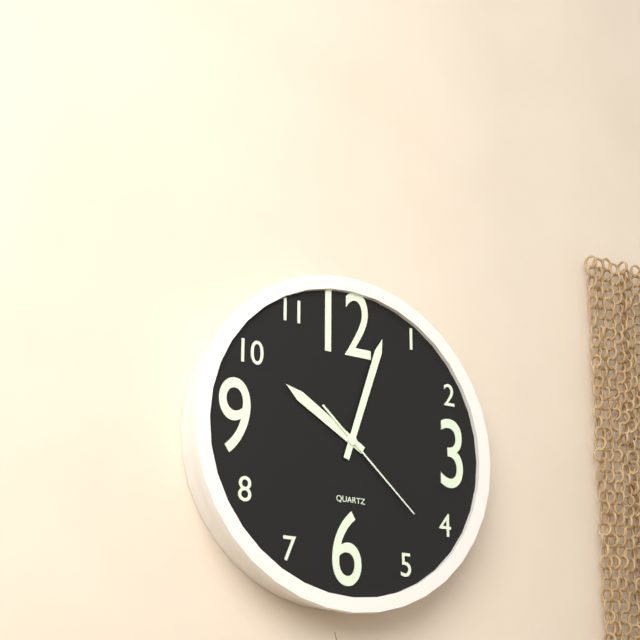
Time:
10:03:22
